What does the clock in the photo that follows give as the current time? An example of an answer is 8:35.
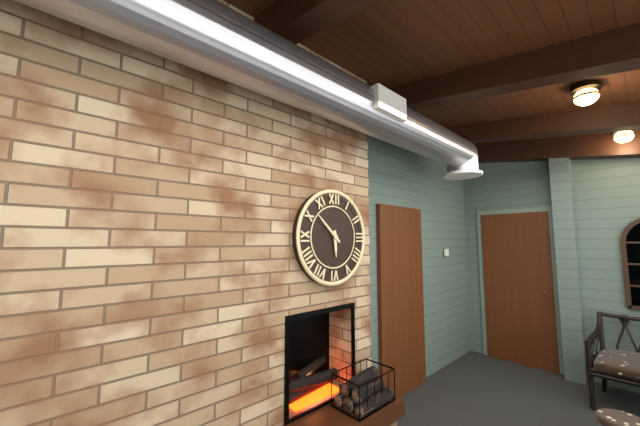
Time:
5:52
